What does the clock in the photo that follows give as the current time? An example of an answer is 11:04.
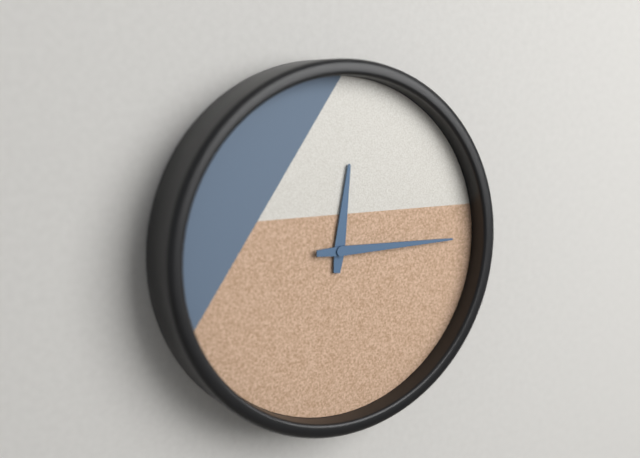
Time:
12:15
